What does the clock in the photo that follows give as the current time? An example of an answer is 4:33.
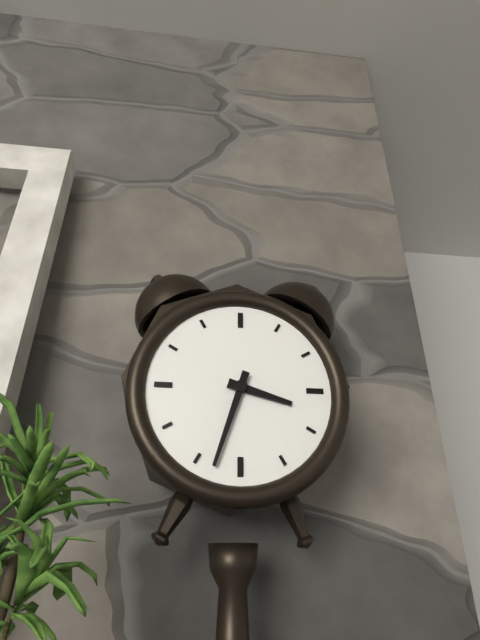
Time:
3:33
